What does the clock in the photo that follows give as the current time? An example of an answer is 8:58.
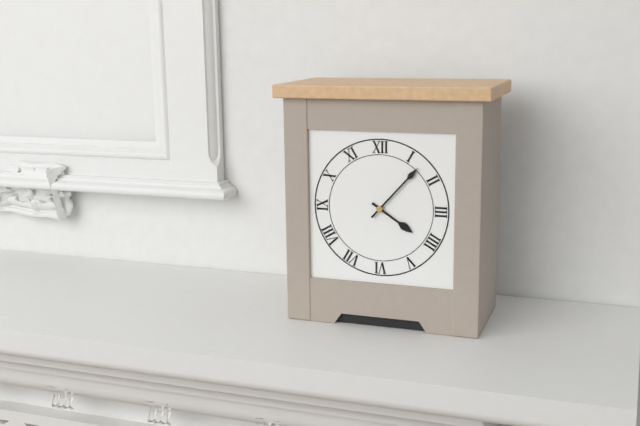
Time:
4:07
